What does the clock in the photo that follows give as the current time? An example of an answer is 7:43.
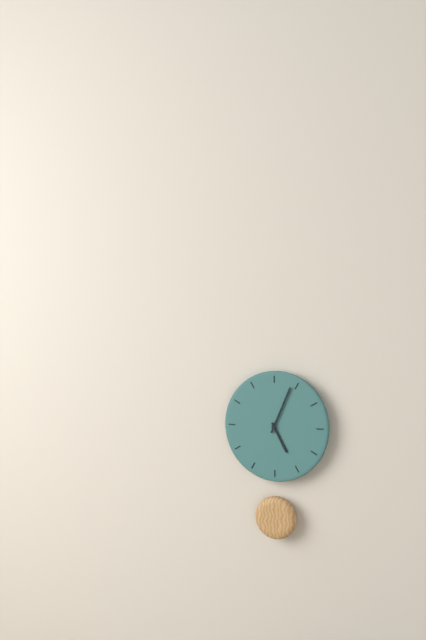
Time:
5:04
